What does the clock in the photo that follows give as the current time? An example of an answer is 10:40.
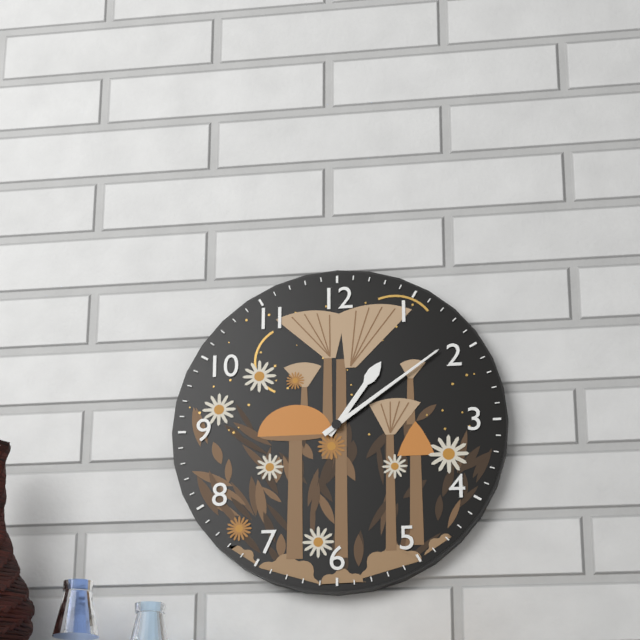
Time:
1:09
